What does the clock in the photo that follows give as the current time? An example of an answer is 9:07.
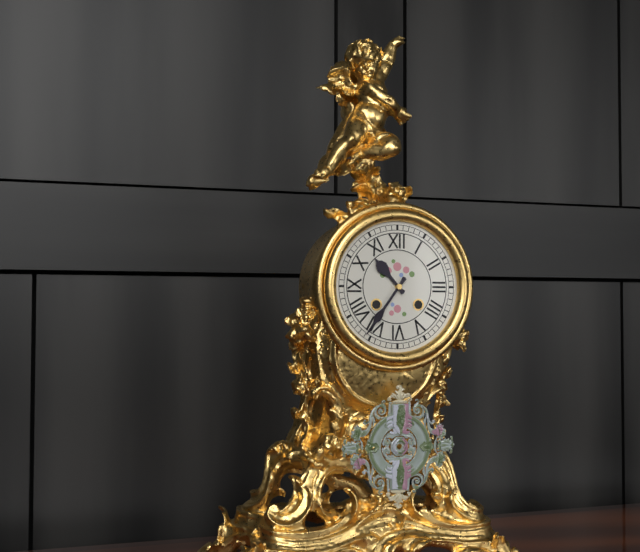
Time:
10:36
